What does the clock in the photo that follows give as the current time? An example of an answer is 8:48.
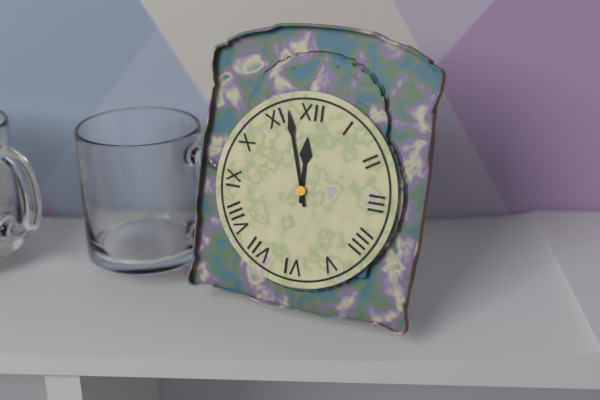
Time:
11:57
